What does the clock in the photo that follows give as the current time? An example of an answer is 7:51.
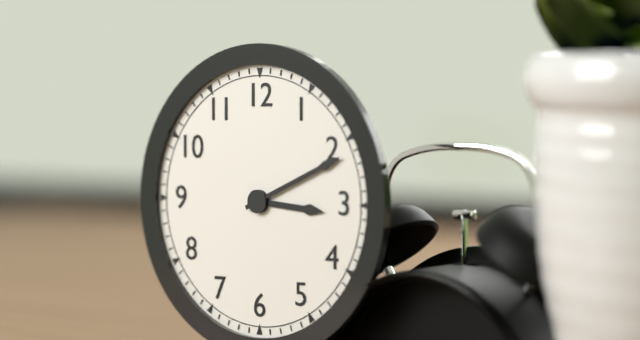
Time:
3:11
